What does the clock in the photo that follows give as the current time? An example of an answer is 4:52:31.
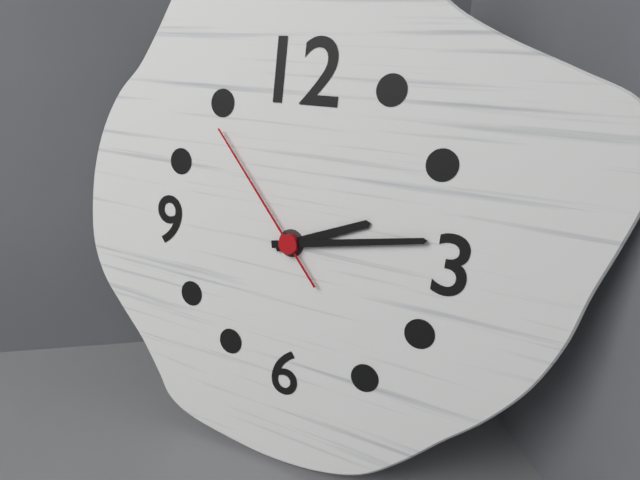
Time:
2:13:53
